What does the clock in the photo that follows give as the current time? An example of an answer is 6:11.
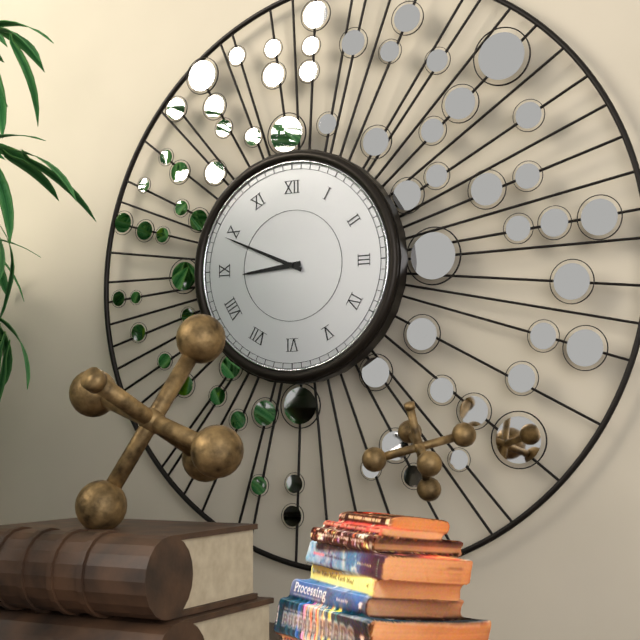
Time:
8:49
